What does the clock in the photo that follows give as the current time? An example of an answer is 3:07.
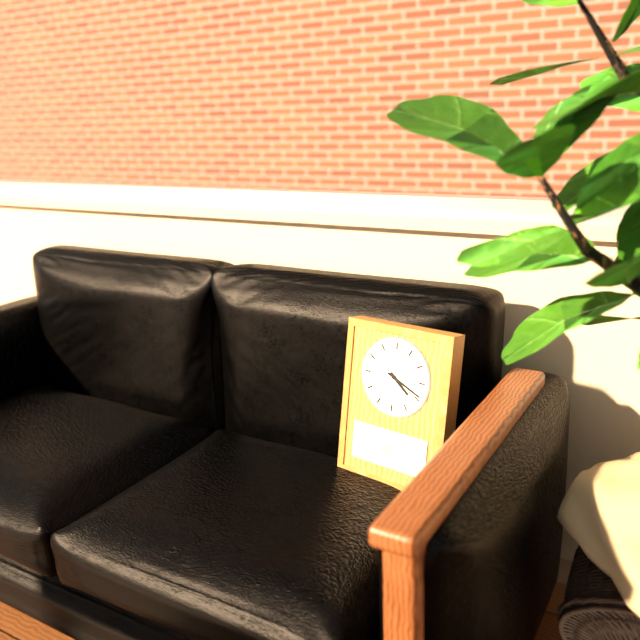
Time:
4:19
